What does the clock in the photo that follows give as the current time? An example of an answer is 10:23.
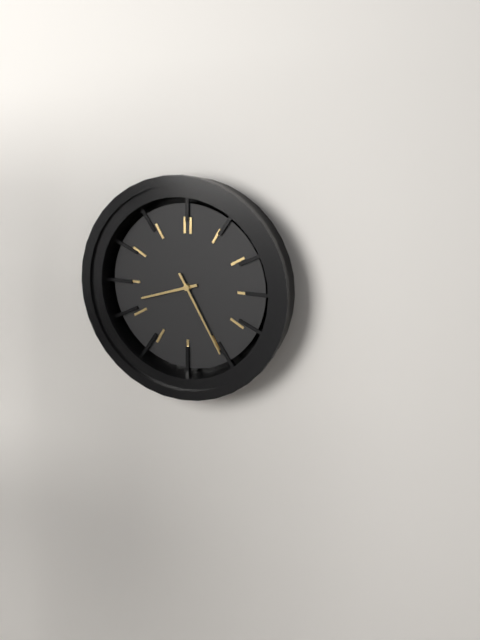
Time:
8:25
